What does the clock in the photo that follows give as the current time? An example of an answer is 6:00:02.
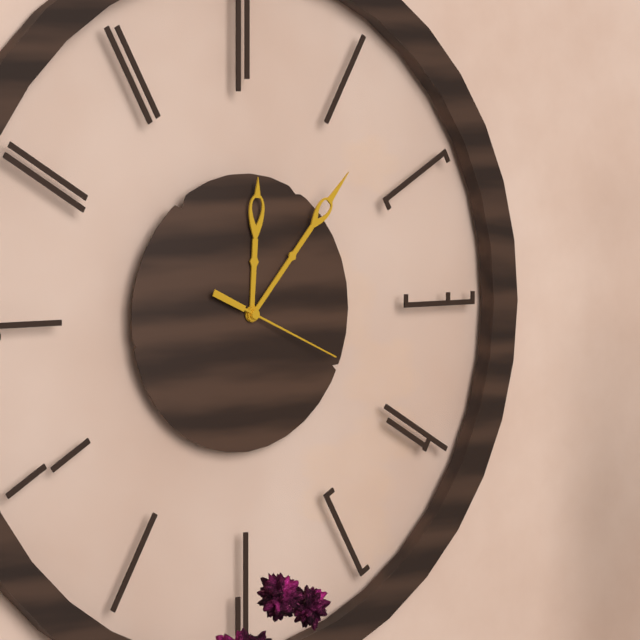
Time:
12:07:19
